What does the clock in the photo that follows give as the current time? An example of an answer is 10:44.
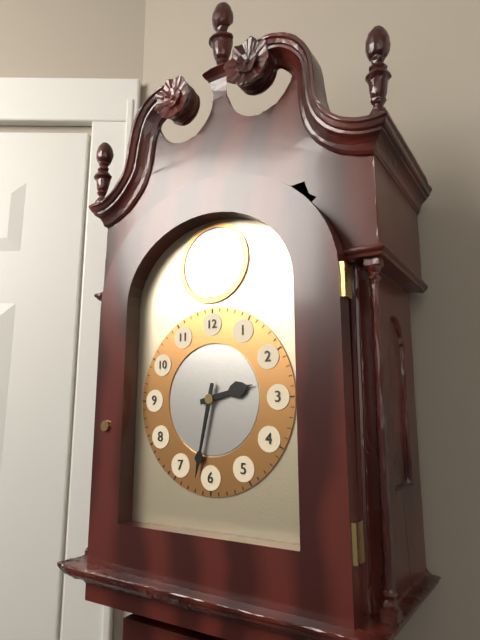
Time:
2:32
